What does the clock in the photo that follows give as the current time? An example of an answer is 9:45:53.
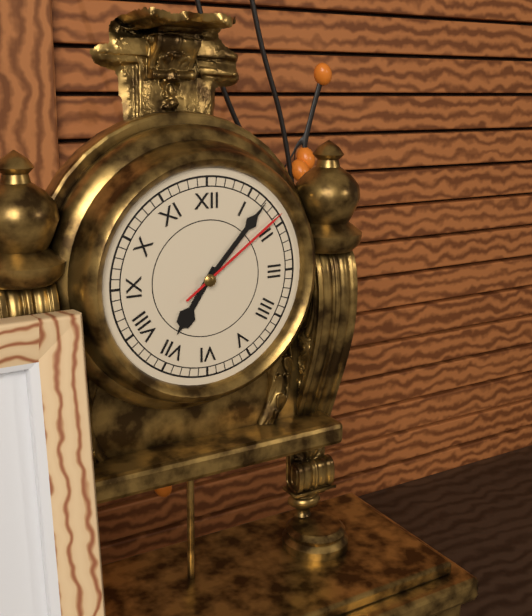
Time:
7:07:09
